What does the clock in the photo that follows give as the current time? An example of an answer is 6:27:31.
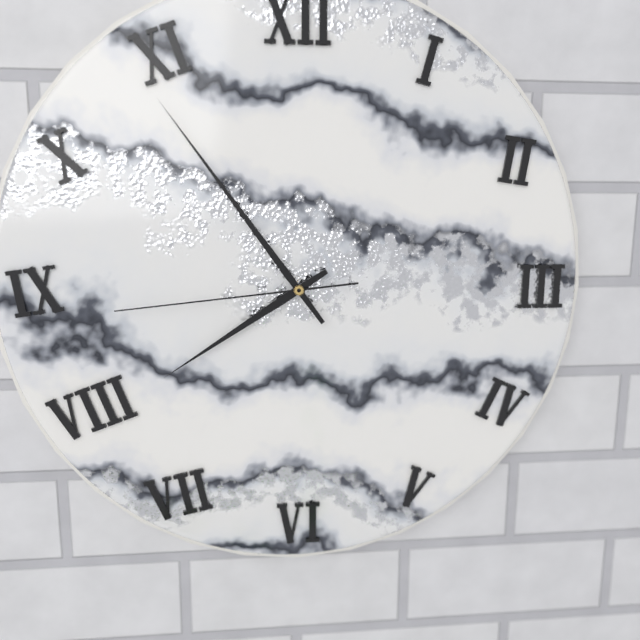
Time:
7:54:44
